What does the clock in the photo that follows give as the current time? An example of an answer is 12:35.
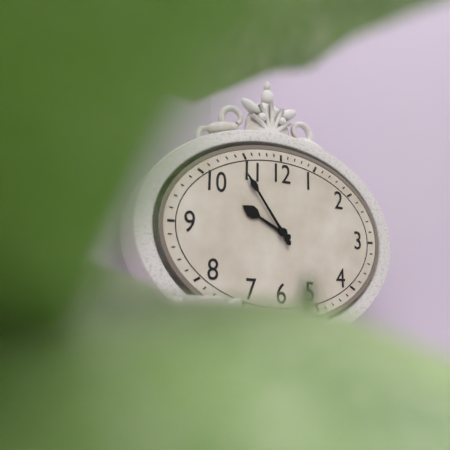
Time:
9:54
